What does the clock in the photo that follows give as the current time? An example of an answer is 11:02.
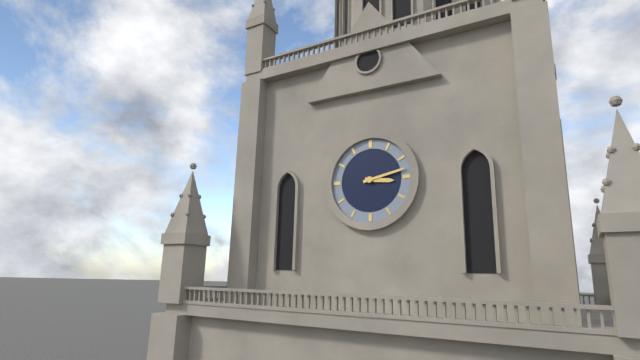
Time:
3:13
